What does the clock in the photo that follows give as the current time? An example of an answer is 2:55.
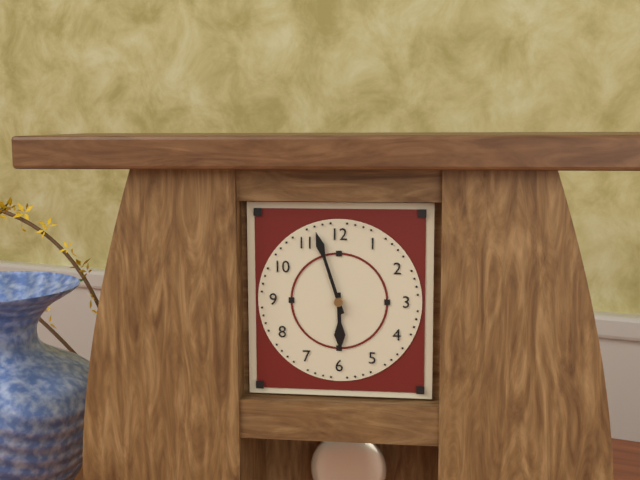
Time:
5:57
